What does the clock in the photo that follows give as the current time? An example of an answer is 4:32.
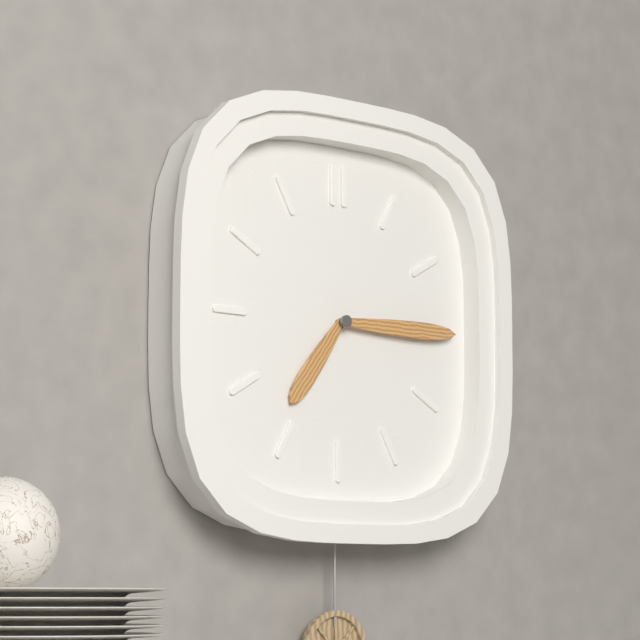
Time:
7:15
